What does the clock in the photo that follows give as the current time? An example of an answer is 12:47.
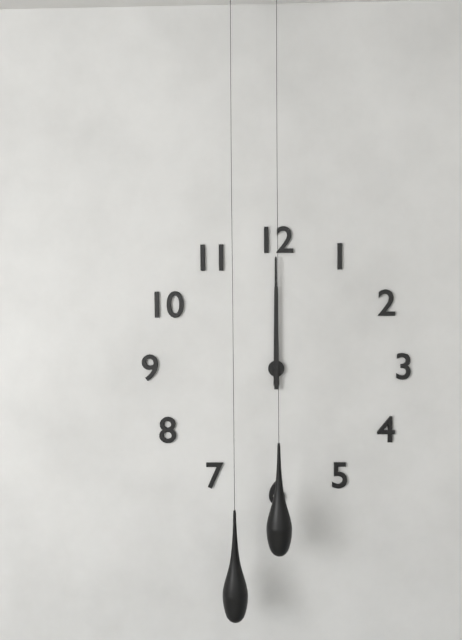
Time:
12:00
